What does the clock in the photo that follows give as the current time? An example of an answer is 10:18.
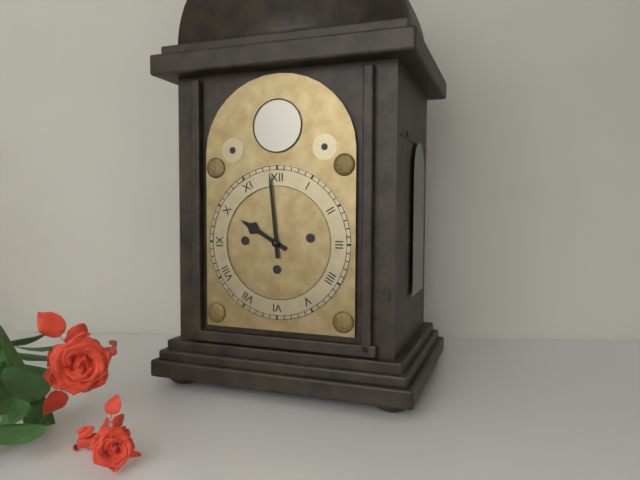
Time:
9:59
